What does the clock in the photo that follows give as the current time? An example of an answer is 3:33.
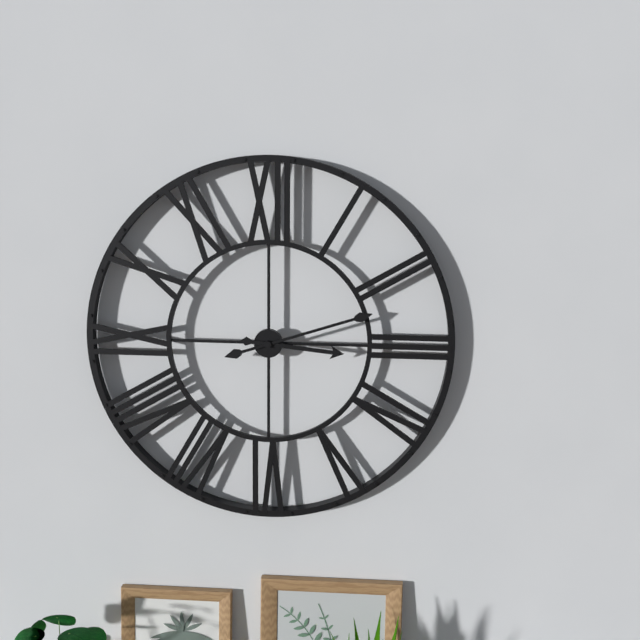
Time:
3:12
